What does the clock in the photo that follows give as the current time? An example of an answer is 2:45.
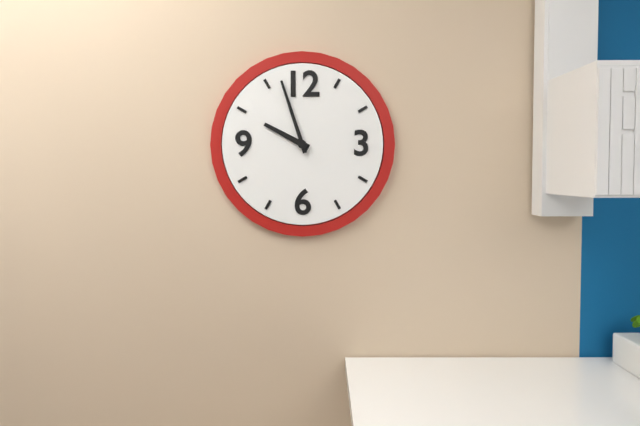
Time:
9:57
